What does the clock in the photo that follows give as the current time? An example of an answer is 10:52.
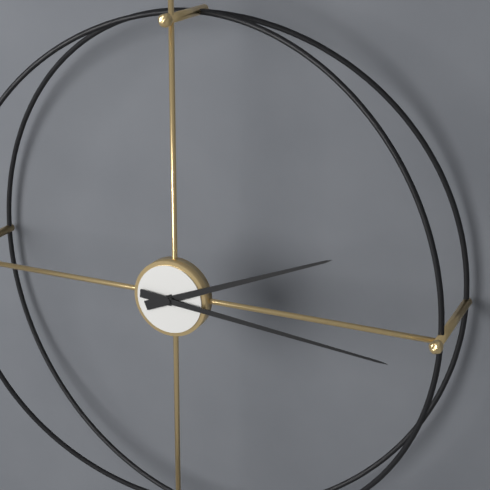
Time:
2:16
